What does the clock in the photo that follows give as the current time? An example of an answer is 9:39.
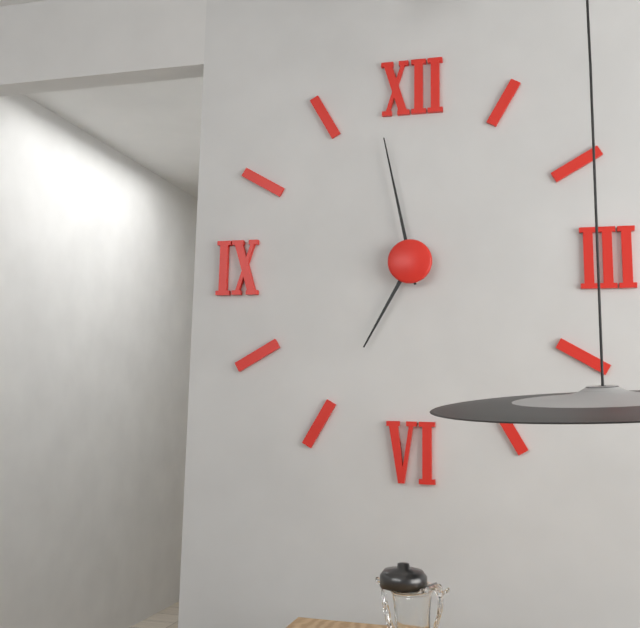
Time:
6:58
